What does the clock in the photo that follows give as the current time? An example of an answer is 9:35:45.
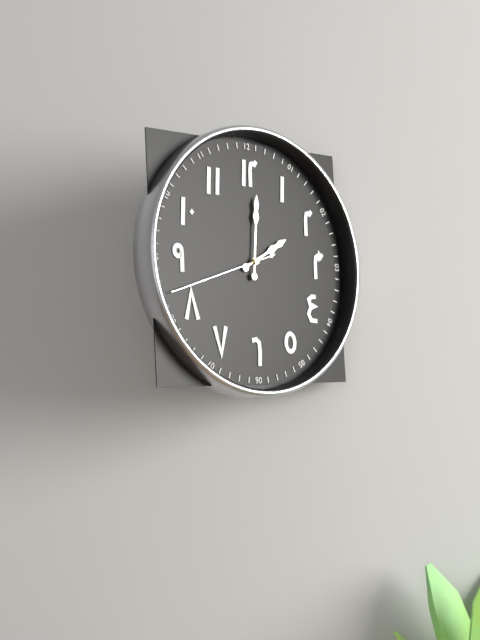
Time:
2:01:42
